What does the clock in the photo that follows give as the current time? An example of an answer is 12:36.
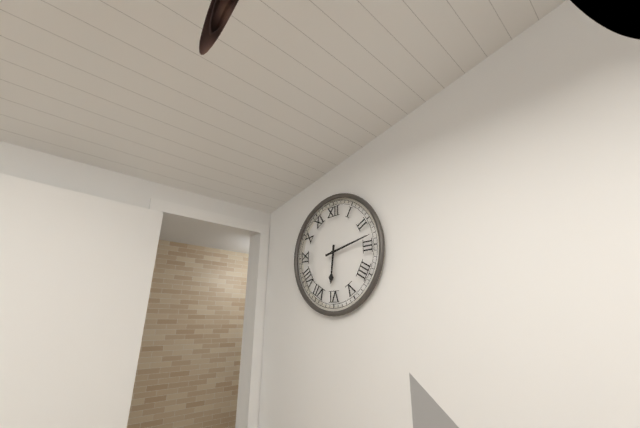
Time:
6:13
